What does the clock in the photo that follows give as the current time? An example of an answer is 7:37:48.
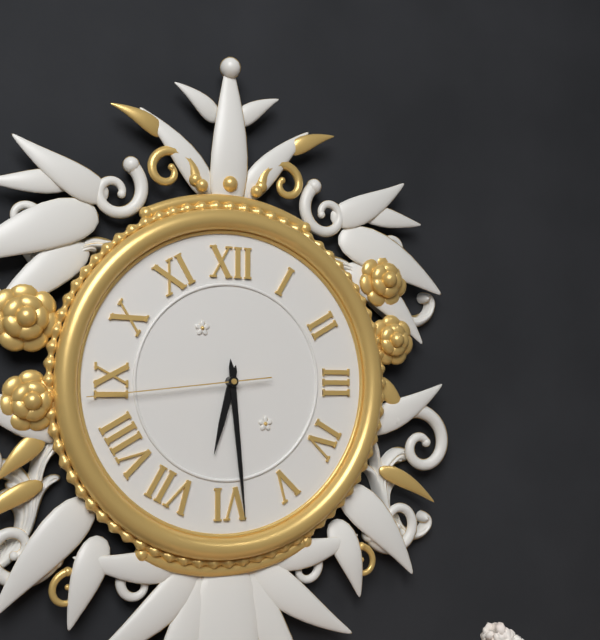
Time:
6:29:44
